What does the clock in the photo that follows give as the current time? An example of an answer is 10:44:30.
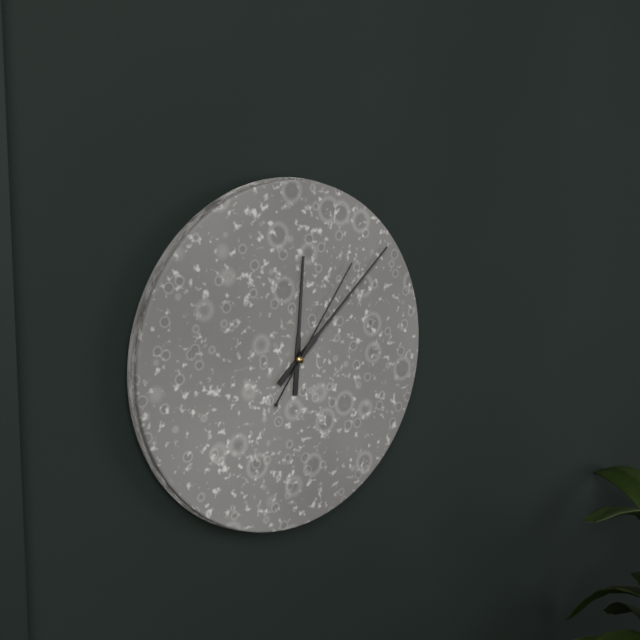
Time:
12:08:06
